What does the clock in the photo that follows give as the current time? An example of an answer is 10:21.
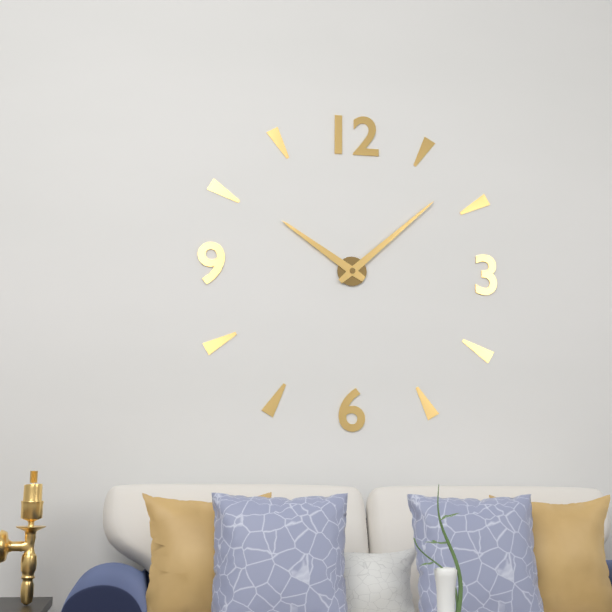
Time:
10:08
